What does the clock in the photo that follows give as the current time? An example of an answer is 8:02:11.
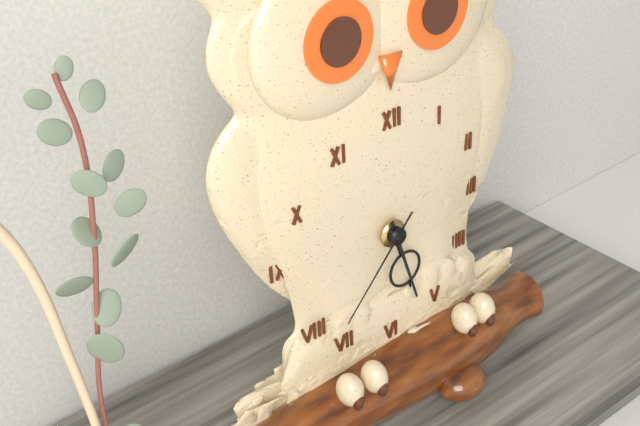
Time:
5:27:37
